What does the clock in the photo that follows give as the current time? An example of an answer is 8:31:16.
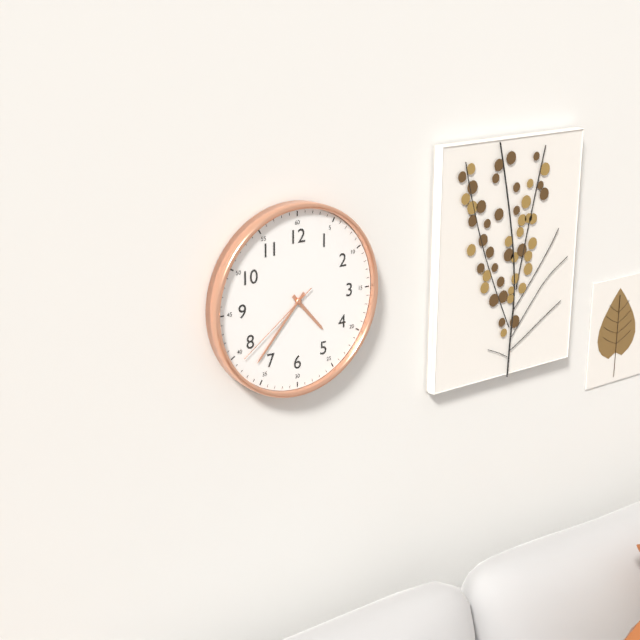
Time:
4:37:39
